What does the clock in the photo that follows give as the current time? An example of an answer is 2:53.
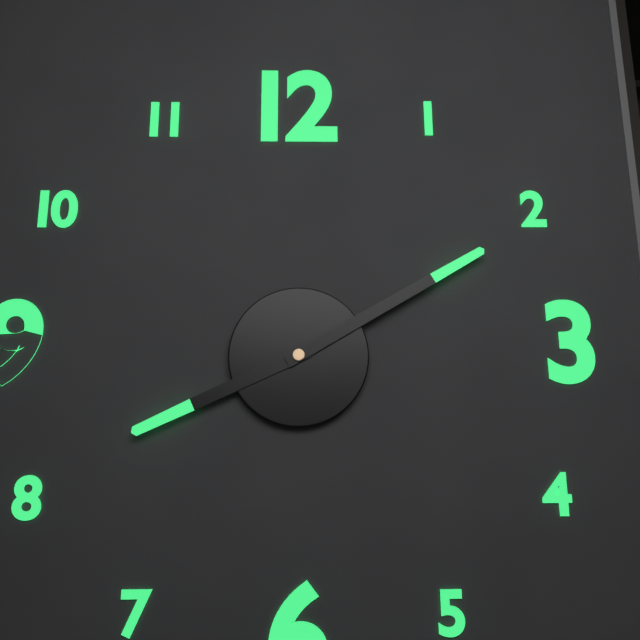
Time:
8:10
